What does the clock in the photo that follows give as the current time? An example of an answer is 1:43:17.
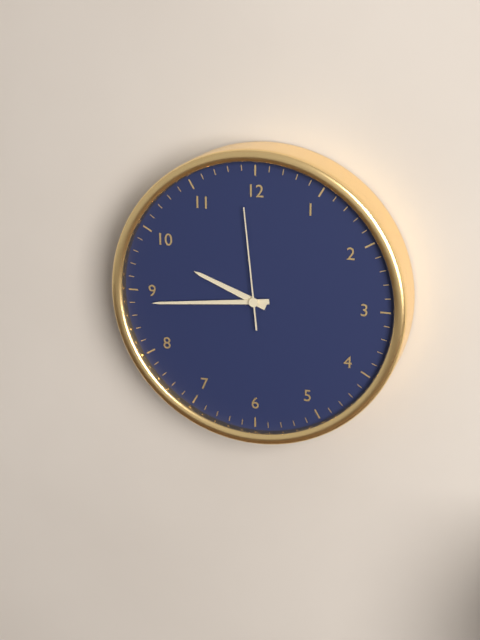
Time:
9:44:59
